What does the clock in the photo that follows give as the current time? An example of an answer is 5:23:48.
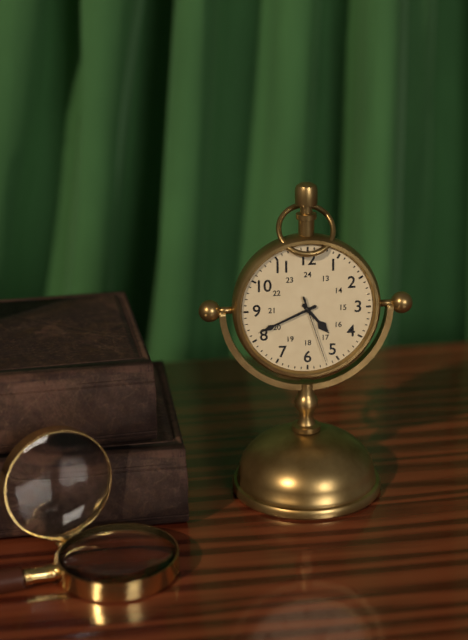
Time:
4:41:27
